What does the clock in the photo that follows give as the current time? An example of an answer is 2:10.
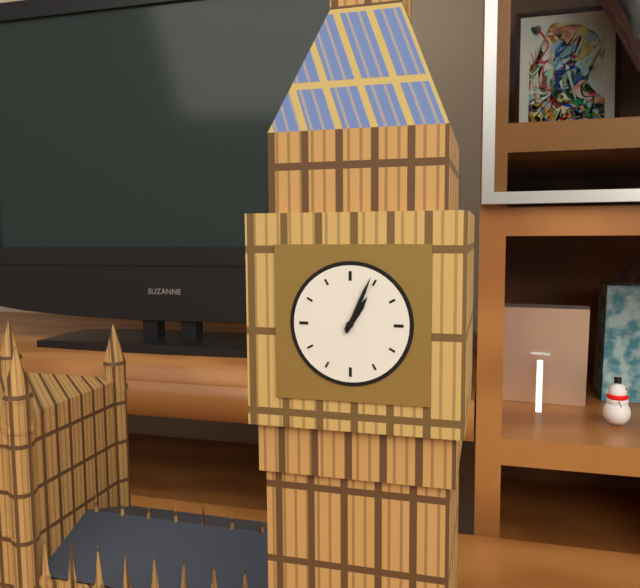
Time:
1:04
